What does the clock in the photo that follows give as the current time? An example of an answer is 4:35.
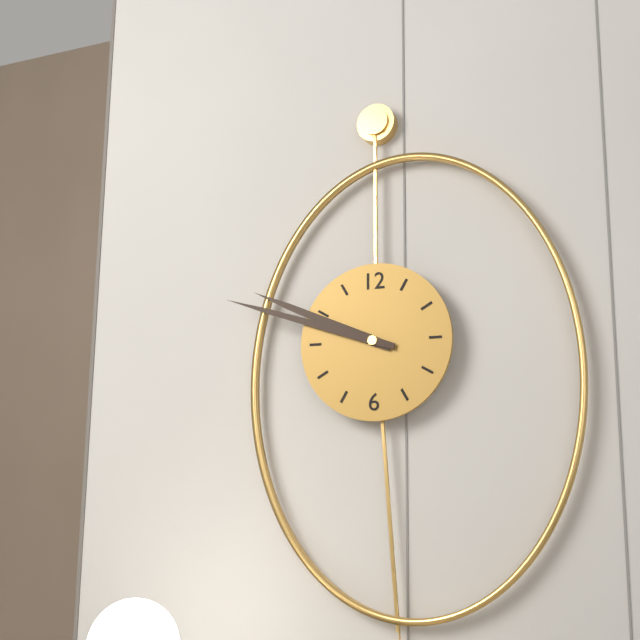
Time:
9:48
